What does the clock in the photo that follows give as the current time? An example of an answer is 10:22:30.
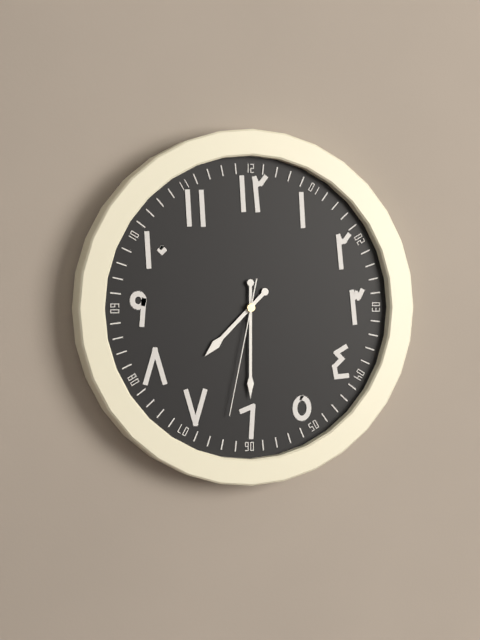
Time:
7:30:32
